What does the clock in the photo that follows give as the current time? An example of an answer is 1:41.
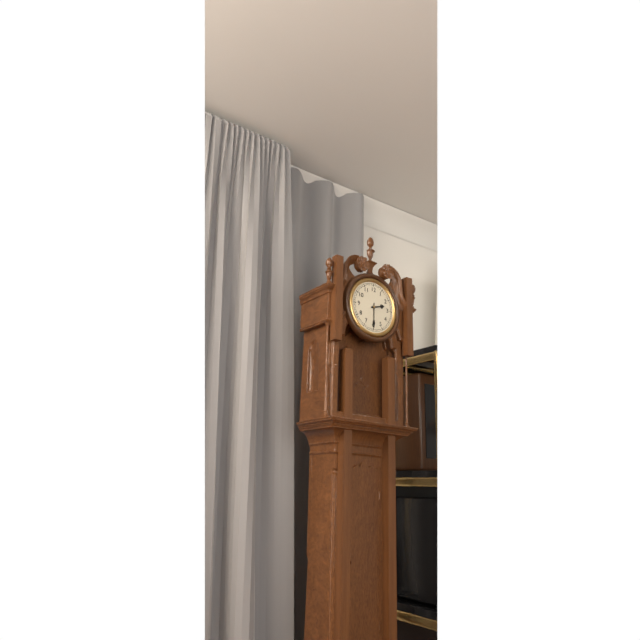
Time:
2:30
